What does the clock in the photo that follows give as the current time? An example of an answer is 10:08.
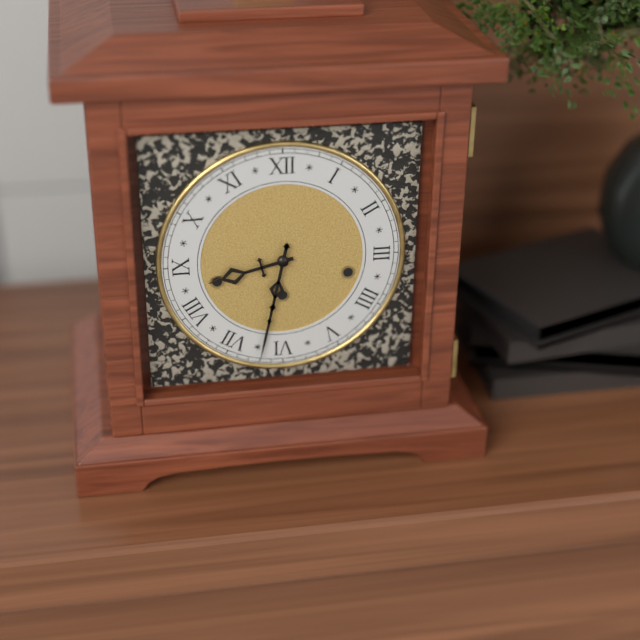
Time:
8:32
